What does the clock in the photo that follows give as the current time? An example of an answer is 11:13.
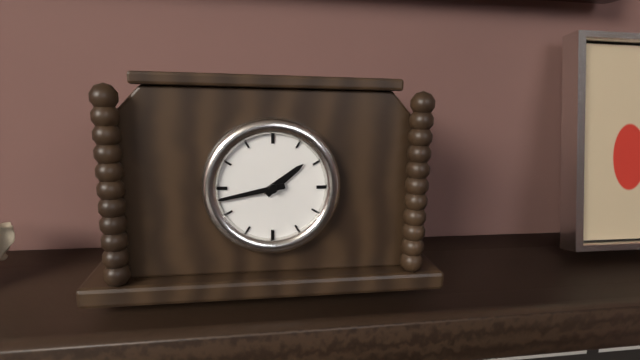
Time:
1:43
